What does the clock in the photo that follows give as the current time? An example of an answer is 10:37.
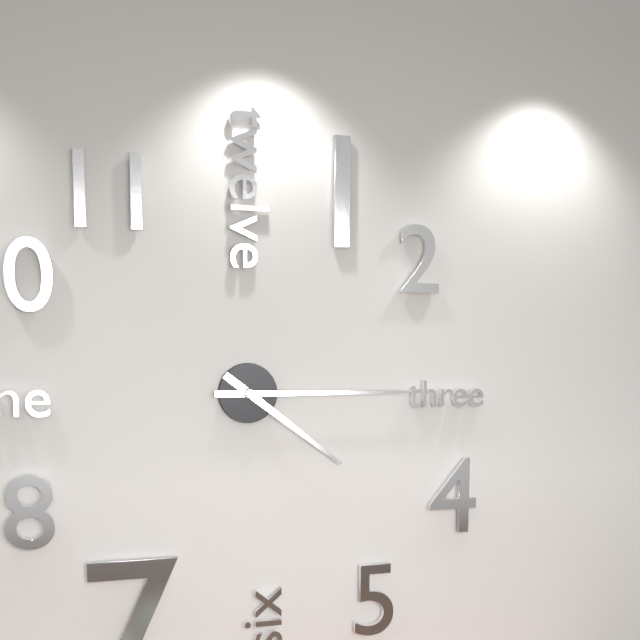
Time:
4:15
